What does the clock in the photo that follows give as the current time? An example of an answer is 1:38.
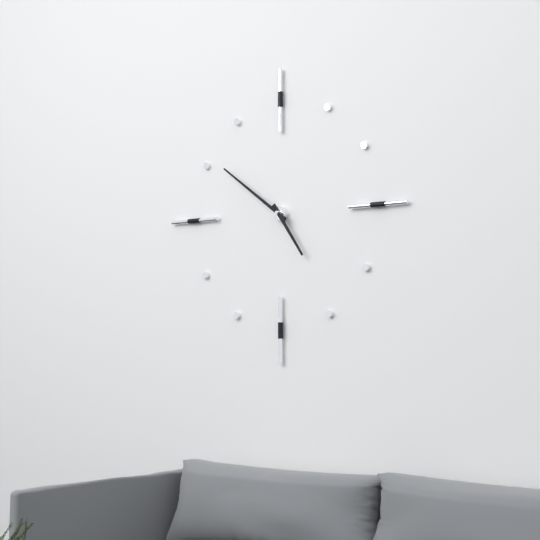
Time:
4:51
